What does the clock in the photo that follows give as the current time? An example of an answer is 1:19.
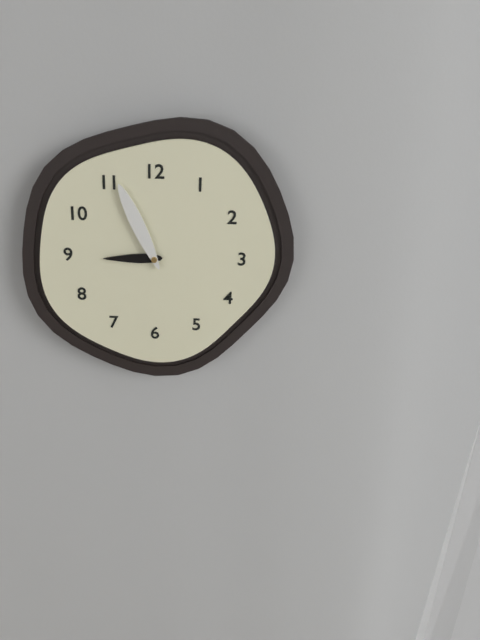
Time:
8:56
